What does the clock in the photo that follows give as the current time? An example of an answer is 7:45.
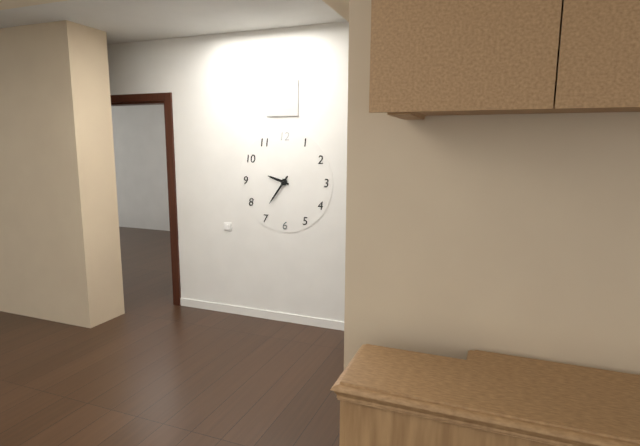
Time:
9:36
